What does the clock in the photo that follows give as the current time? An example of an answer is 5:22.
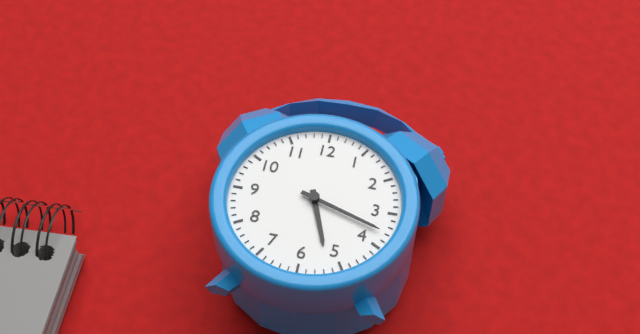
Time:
5:18
